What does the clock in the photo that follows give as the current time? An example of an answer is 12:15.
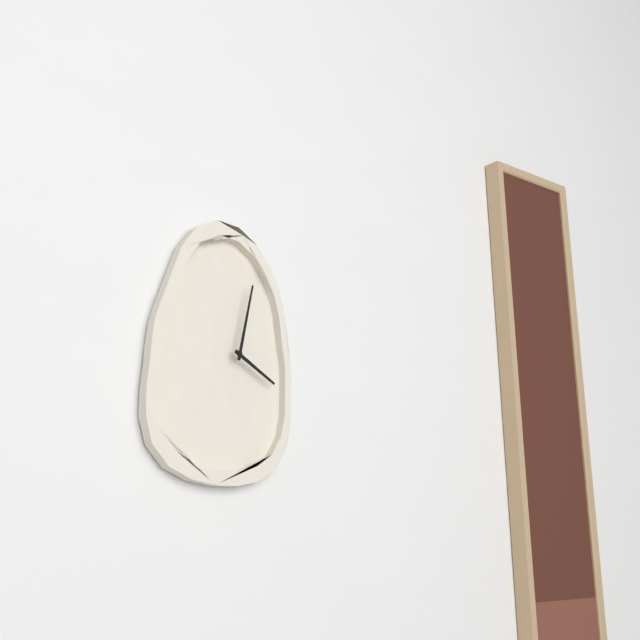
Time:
4:02
